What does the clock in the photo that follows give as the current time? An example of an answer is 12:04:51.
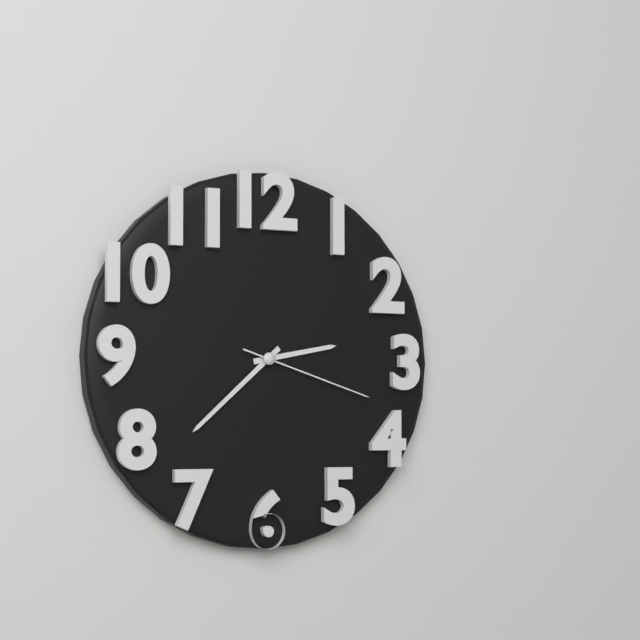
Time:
2:38:18
